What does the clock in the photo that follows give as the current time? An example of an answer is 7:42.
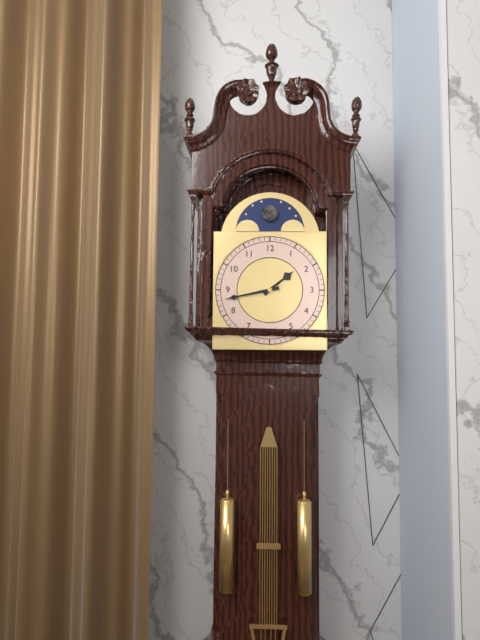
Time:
1:43
